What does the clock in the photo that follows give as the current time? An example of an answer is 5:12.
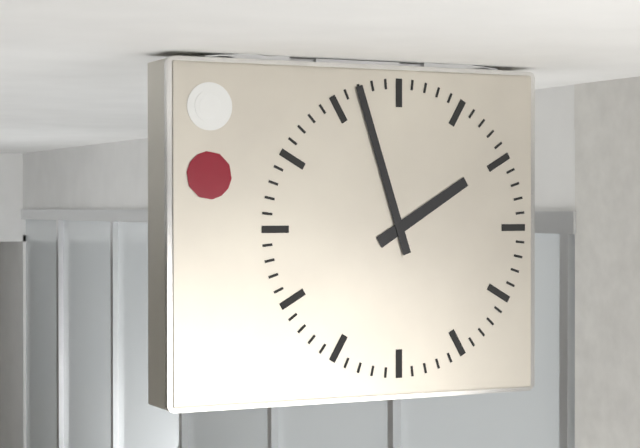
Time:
1:57
